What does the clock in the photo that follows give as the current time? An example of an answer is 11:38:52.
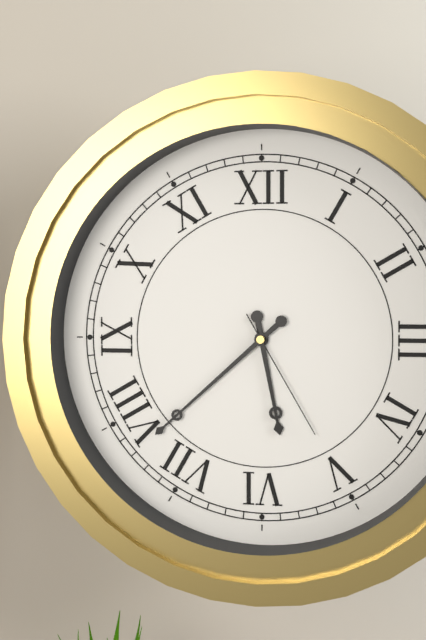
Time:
5:38:25
